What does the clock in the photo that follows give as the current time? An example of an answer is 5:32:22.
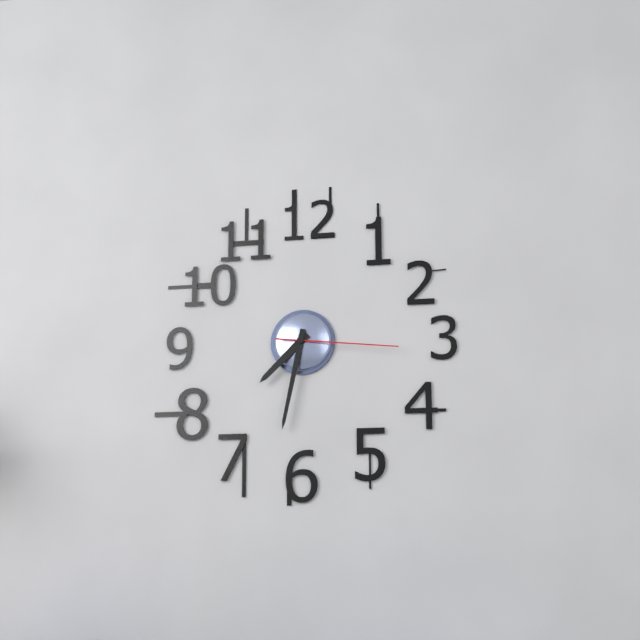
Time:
7:32:16
